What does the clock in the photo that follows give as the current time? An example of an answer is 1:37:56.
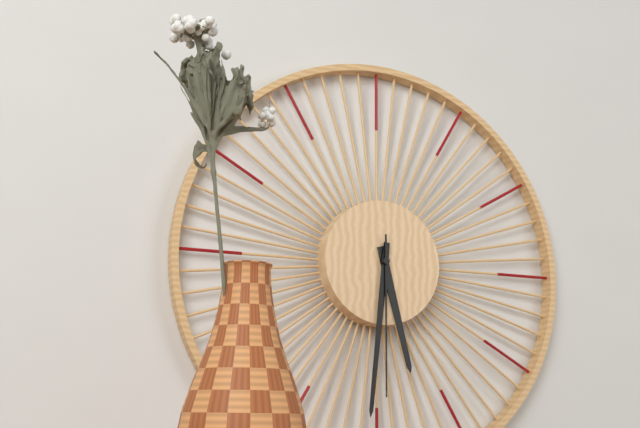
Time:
5:31:30
